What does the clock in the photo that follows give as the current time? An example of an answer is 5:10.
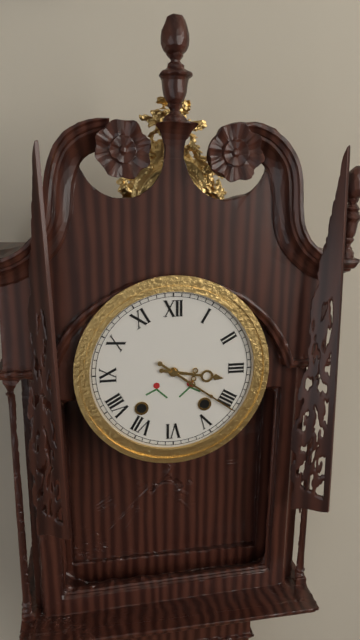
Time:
3:21
